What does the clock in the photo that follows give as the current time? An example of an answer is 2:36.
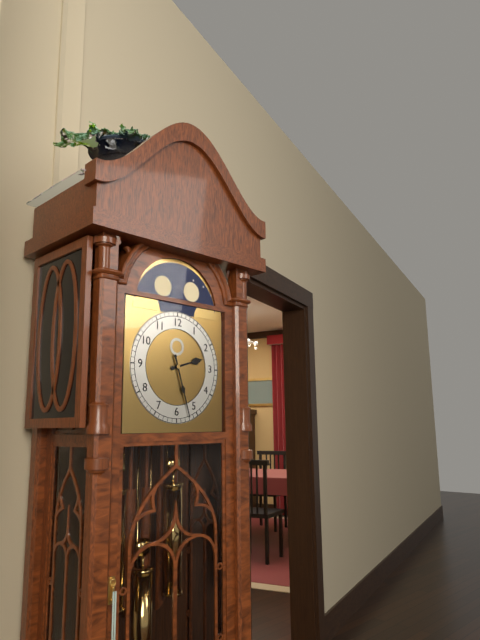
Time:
2:27
